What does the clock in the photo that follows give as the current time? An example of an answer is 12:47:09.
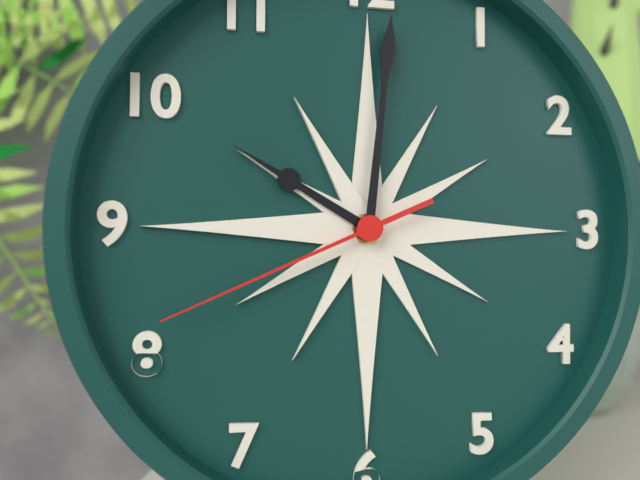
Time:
10:01:41
